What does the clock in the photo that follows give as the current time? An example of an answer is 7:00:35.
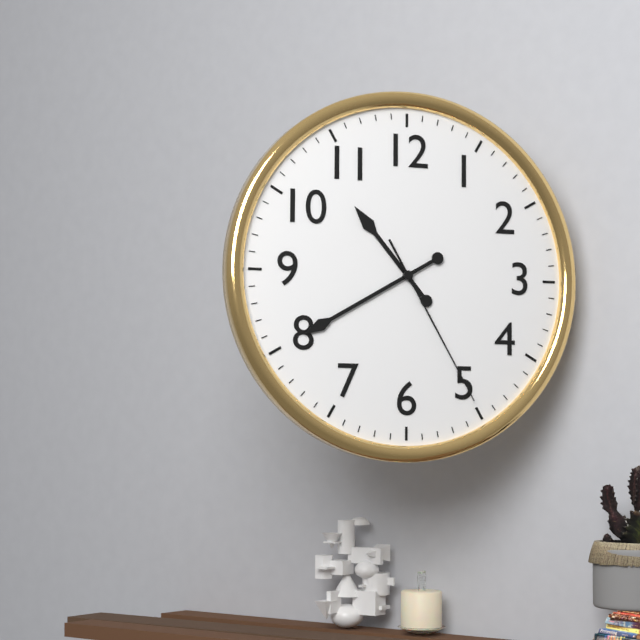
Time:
10:40:25
